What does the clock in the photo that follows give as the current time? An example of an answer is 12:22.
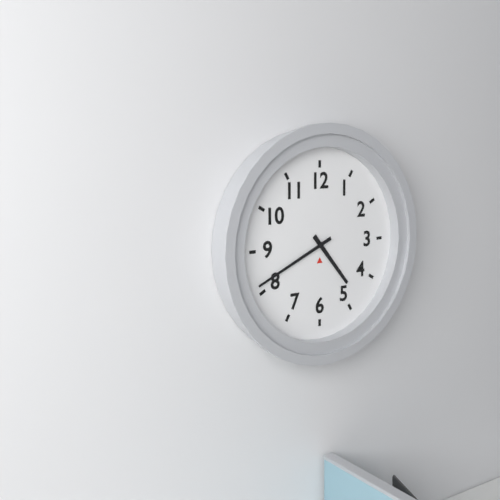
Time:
4:41
